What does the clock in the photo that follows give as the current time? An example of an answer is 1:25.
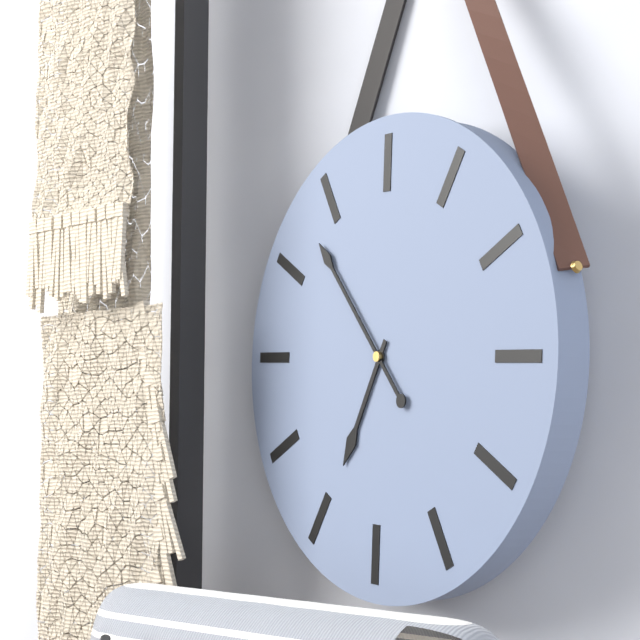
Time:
6:53
